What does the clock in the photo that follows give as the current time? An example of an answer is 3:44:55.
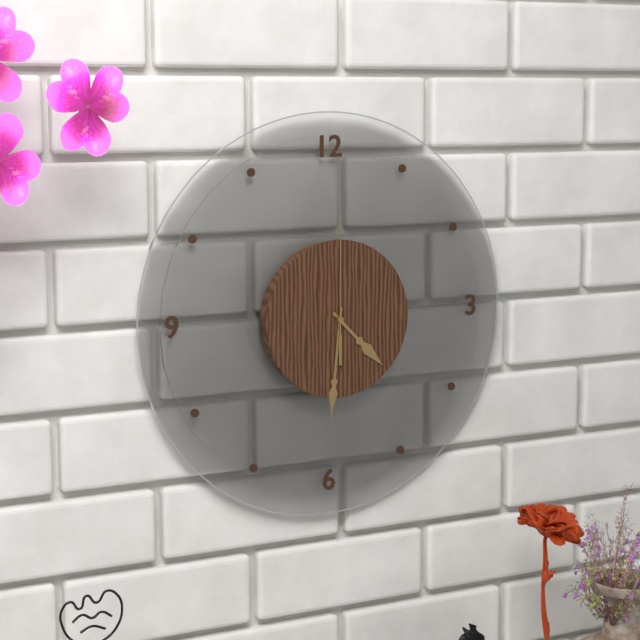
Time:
4:31:00
